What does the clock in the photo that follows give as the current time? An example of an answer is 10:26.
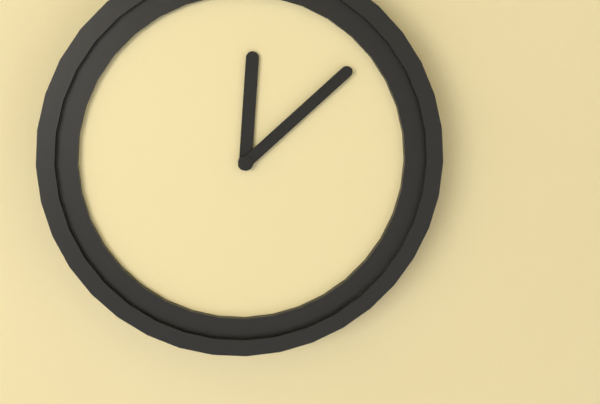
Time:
12:08
